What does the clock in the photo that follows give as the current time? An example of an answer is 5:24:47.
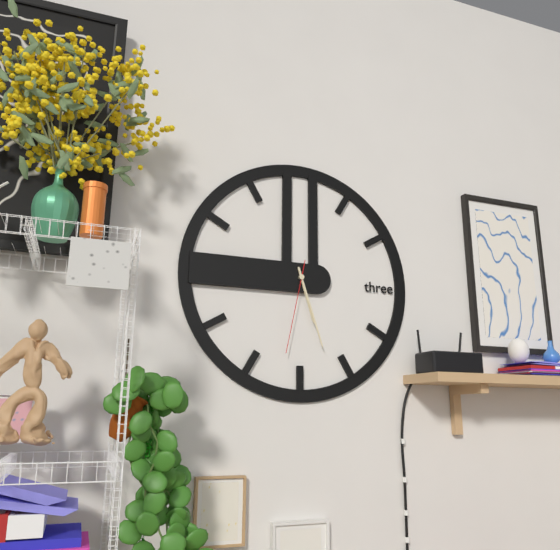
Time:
5:27:32
